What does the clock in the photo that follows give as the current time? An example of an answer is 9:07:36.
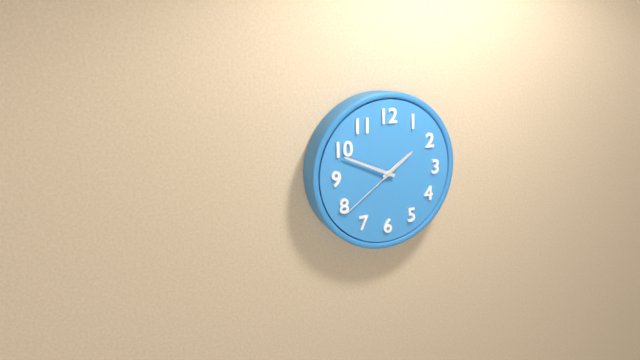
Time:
1:49:39
